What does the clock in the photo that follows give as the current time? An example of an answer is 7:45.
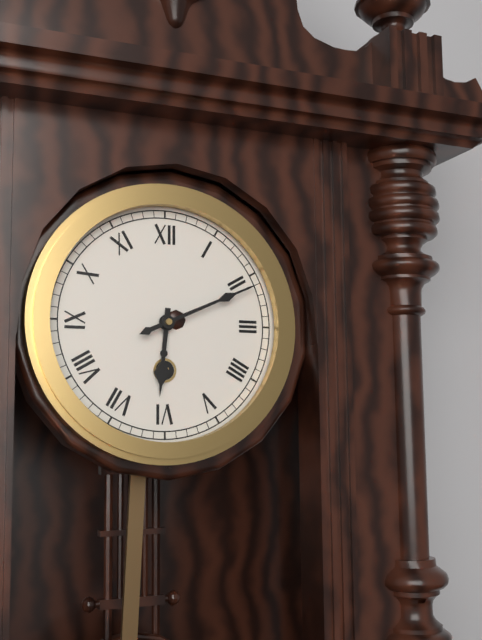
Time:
6:11
